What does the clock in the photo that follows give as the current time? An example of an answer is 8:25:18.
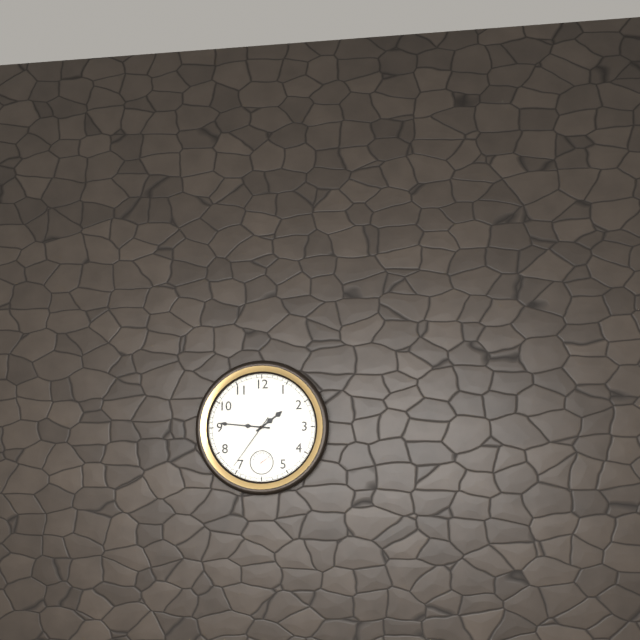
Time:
1:46:36
